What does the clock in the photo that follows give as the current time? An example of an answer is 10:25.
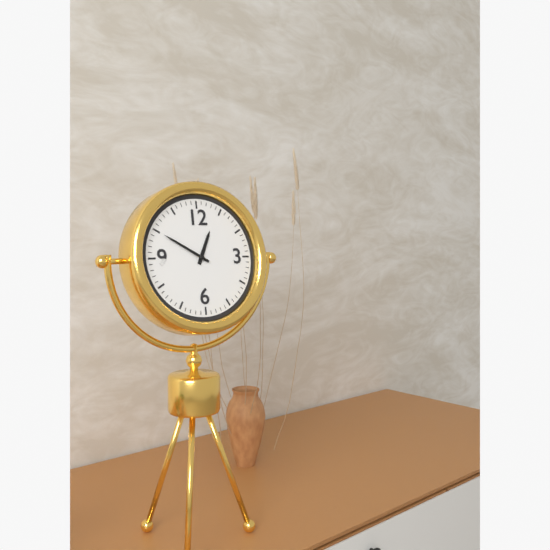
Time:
12:50
